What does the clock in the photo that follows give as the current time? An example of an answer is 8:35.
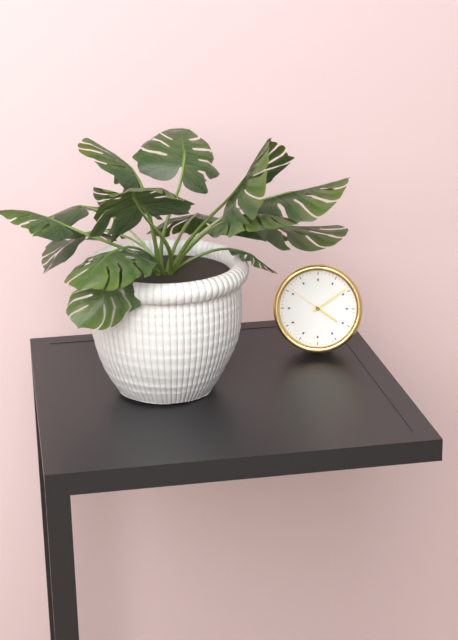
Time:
4:09
